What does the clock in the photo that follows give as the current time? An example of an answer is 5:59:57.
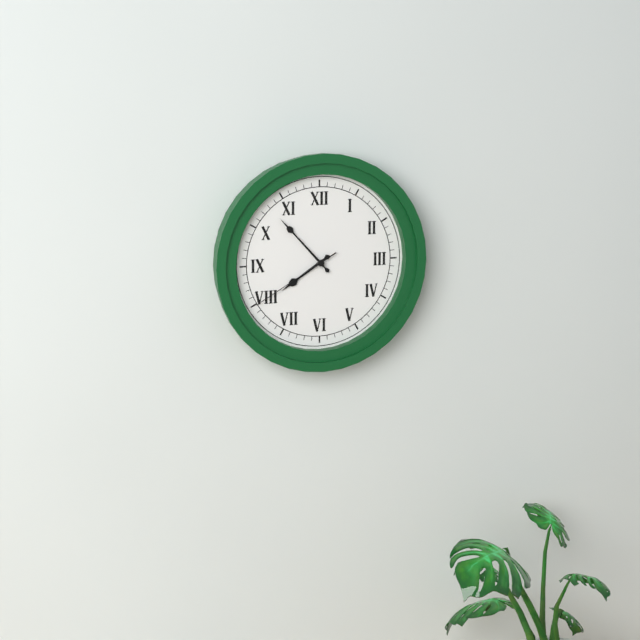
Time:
7:53:40
